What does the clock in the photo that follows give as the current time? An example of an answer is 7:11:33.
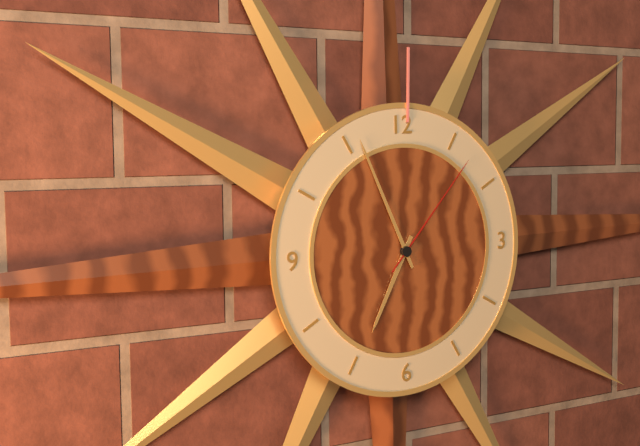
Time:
6:56:07
